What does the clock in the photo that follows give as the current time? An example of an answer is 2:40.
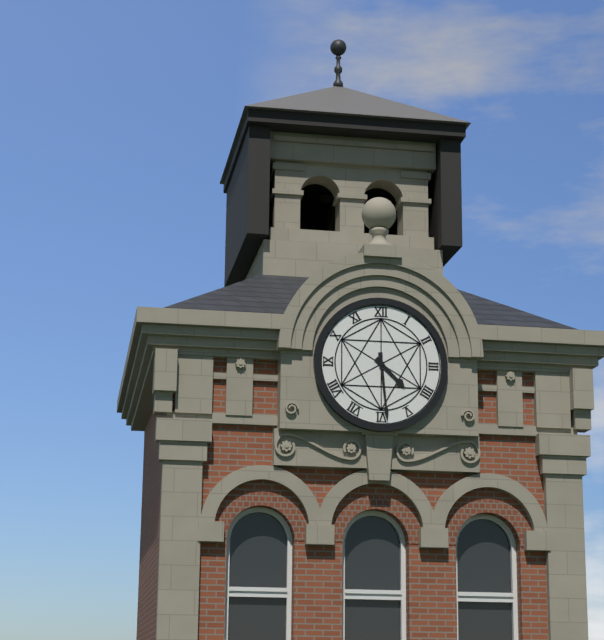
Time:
4:29
